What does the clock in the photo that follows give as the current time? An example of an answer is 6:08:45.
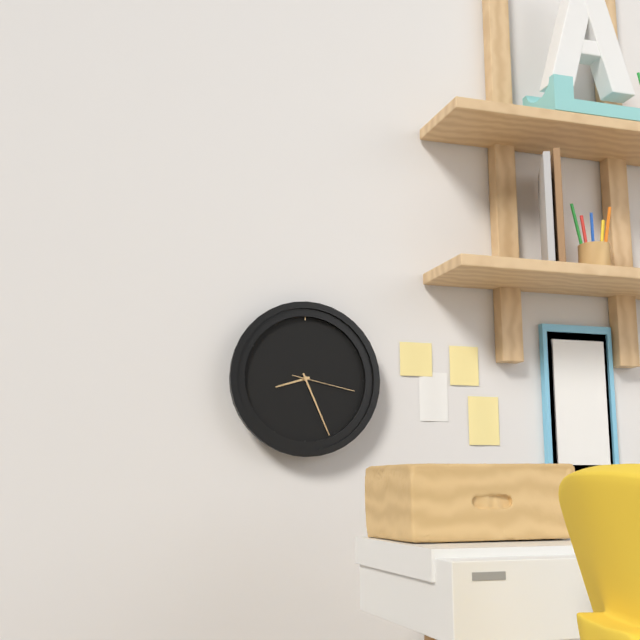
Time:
8:26:17
